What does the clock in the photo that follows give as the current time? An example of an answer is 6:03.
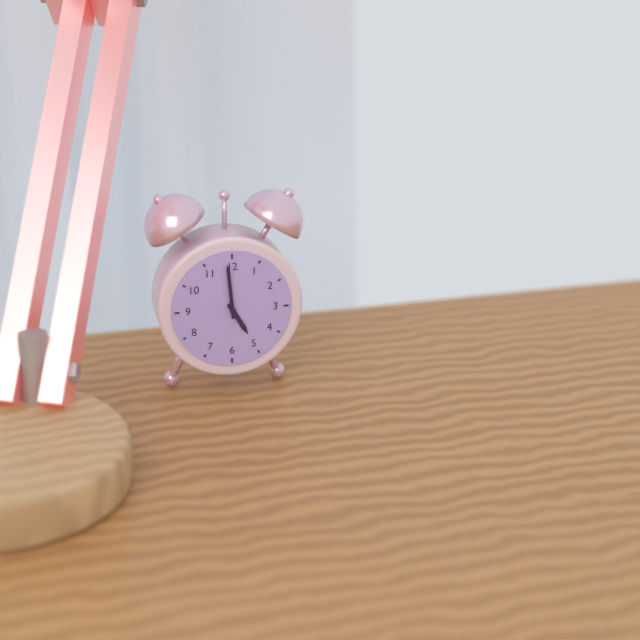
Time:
4:59
